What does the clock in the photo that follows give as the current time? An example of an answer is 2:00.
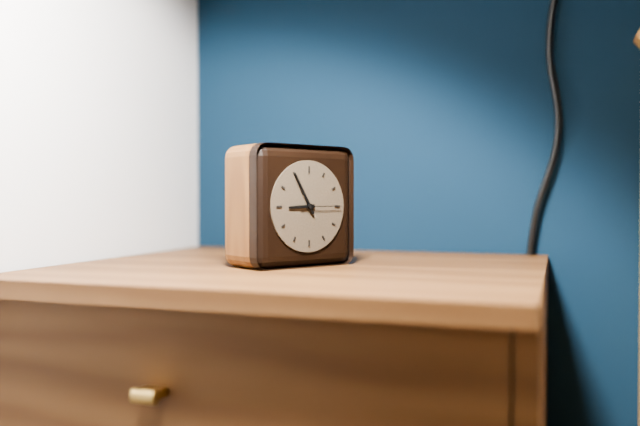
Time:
8:55
